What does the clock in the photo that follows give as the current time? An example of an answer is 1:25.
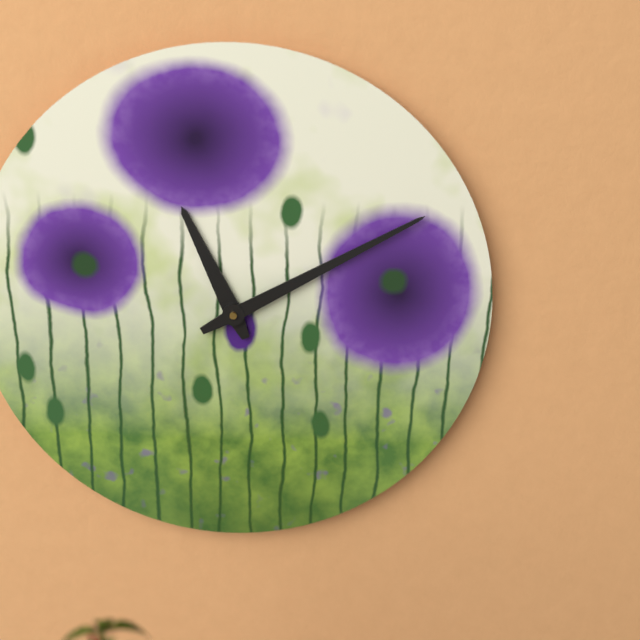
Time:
11:10
